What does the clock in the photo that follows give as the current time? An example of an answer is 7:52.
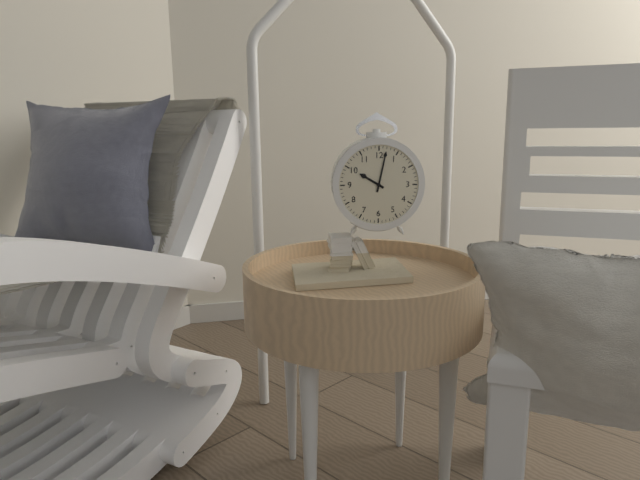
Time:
10:02
